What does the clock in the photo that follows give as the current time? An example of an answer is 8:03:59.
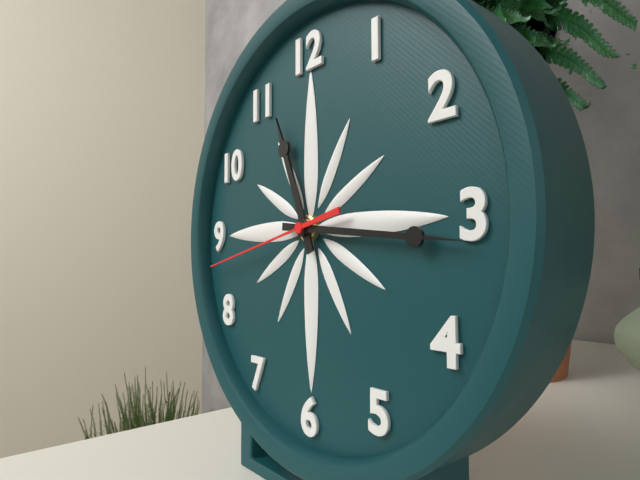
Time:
11:16:43
